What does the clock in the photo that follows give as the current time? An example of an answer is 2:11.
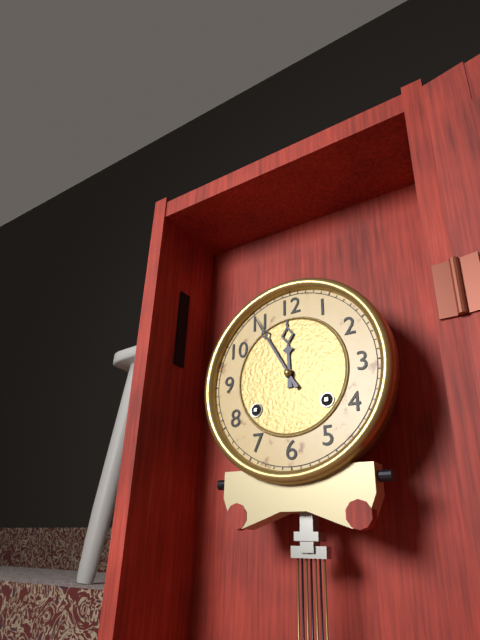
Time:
11:55
